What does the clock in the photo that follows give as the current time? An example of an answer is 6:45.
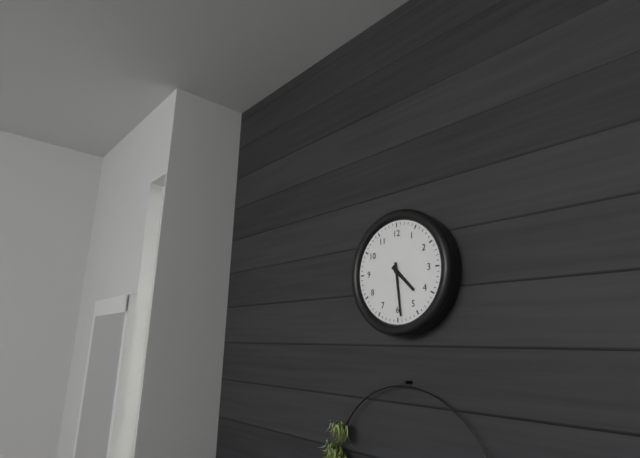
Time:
4:29
